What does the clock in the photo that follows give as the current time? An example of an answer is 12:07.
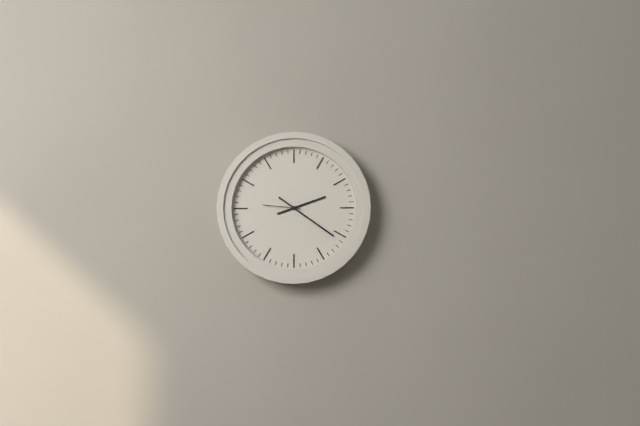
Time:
2:21
